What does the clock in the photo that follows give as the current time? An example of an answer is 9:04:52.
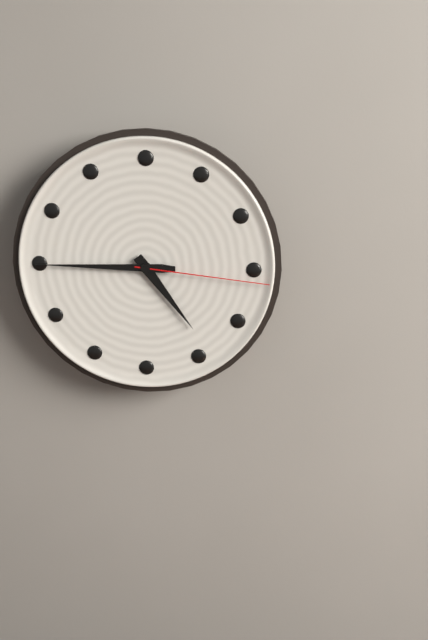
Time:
4:45:16
